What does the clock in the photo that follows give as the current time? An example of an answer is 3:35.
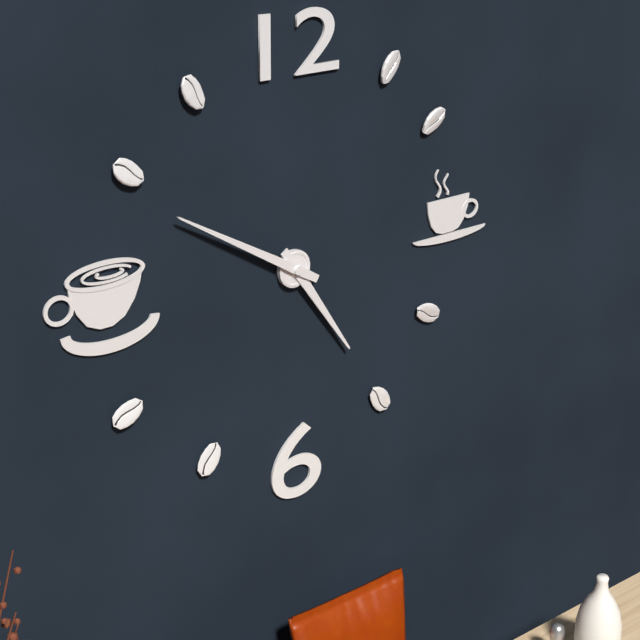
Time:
4:50
